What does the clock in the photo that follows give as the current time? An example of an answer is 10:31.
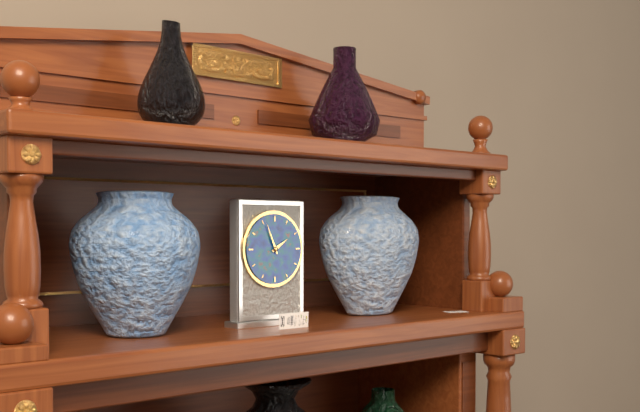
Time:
1:56
